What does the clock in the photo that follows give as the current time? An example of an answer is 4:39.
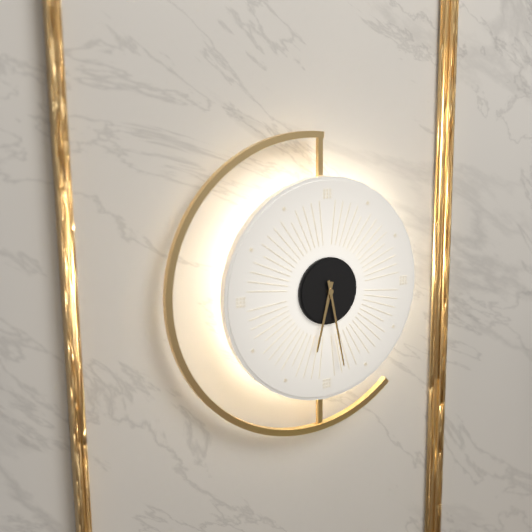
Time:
6:28
